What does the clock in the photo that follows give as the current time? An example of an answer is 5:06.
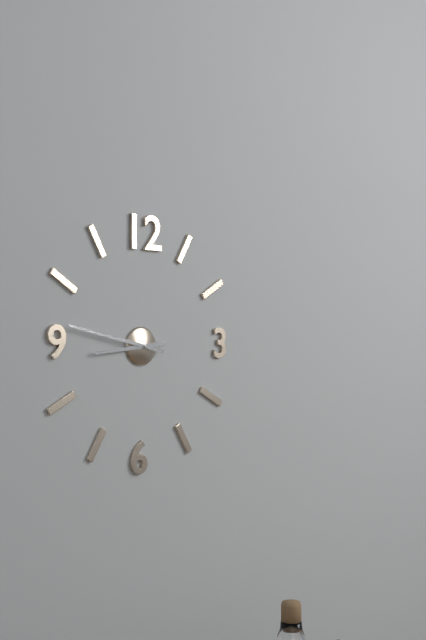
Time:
8:47
